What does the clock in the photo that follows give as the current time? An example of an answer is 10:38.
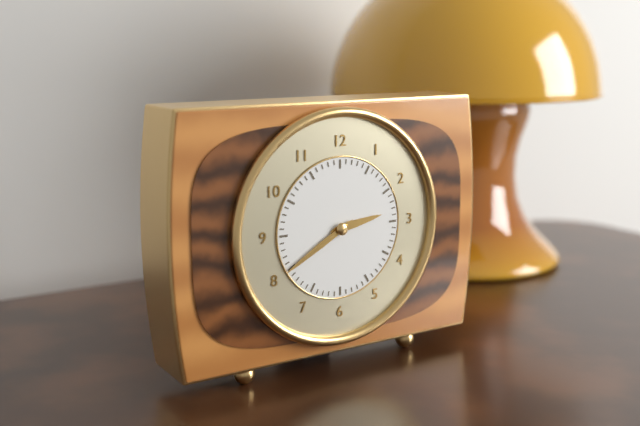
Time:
2:40
